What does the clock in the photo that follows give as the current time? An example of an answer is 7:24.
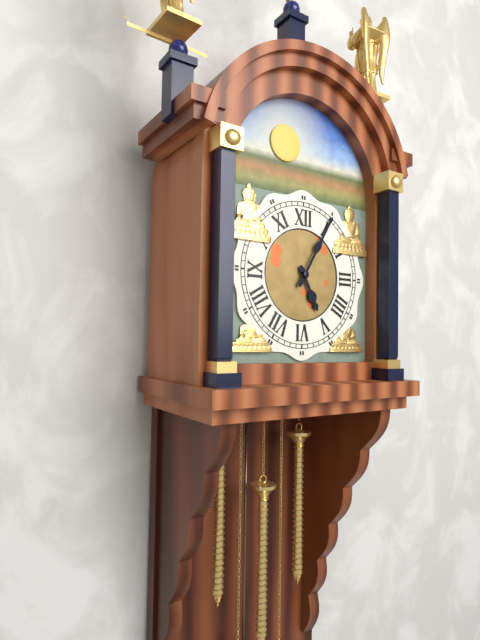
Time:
5:05
